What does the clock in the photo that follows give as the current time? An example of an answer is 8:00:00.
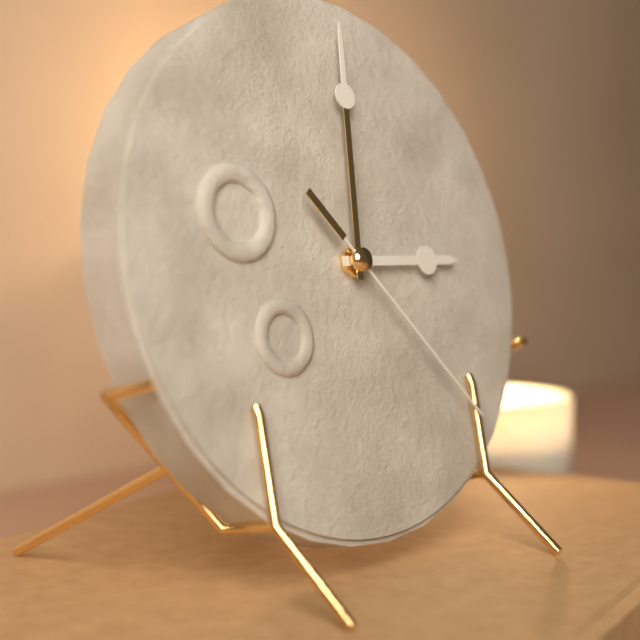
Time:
3:01:23
